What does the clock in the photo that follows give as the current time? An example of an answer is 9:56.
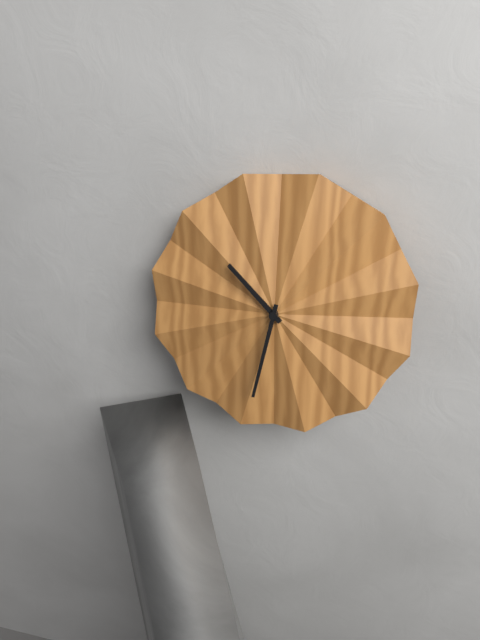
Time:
10:32
